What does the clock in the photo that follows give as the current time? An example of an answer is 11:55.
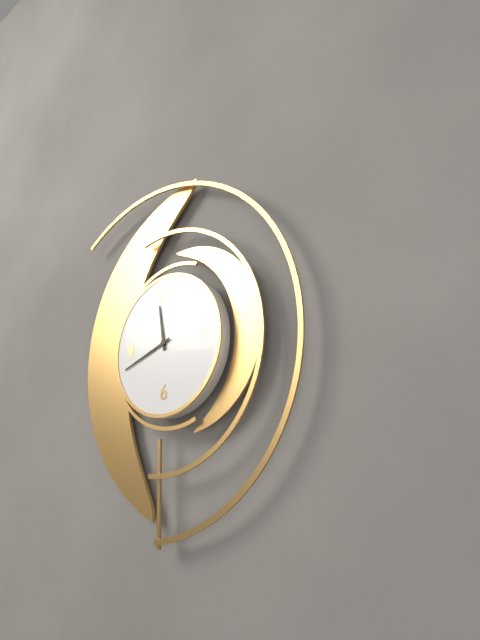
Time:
11:42
